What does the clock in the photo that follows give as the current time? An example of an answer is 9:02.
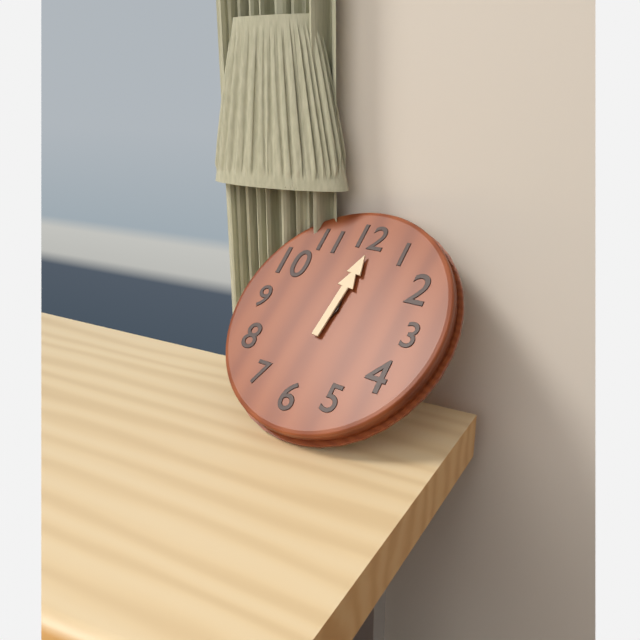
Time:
12:01
